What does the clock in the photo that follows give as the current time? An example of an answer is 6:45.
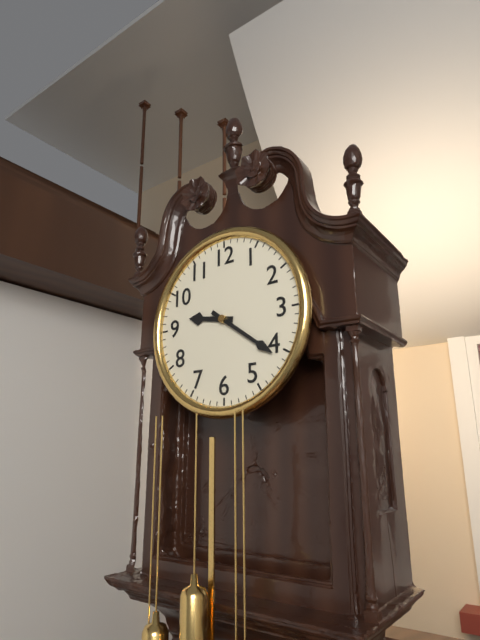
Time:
9:21
